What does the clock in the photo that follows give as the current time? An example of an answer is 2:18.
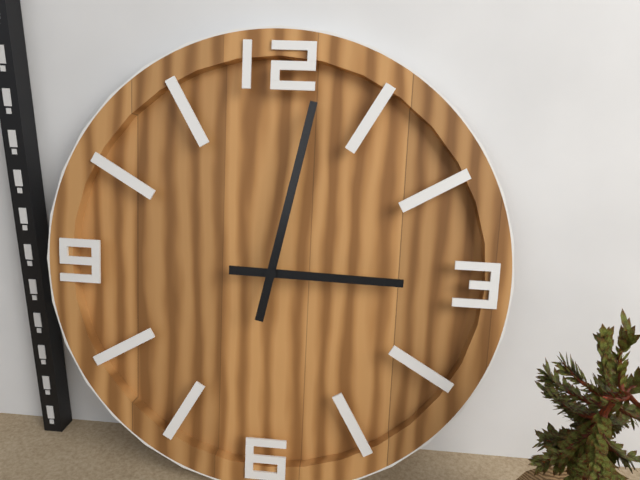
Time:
3:02
